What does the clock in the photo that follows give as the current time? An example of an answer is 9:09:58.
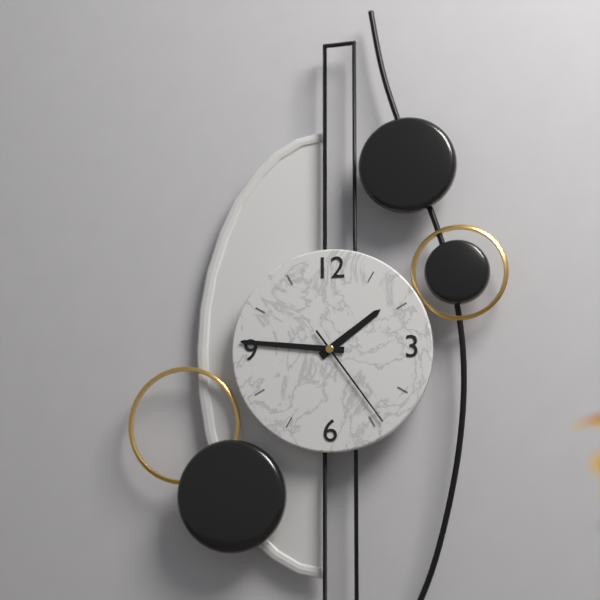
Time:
1:46:24
